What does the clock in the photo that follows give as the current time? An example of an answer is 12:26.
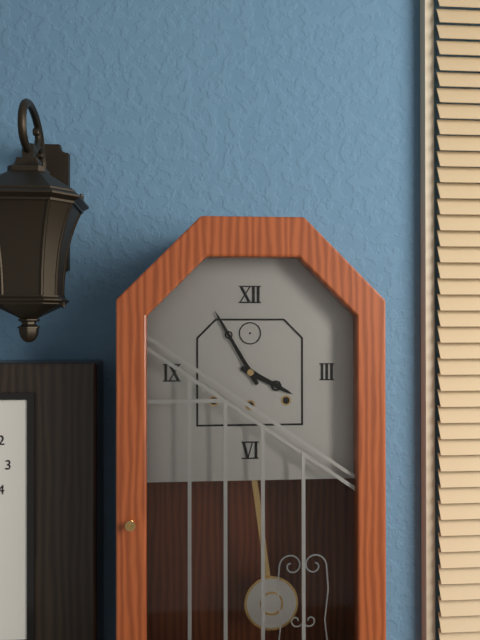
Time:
3:55
